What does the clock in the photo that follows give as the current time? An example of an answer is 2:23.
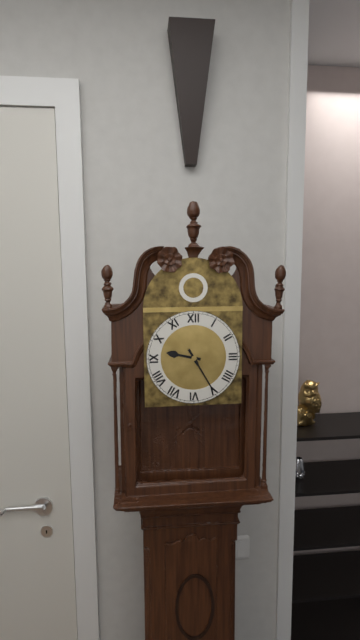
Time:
9:25
